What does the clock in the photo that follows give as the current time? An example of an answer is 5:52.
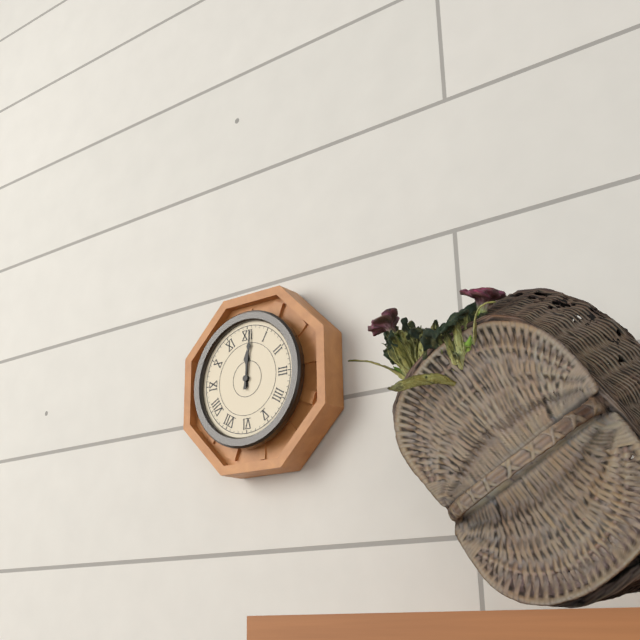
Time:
12:01
